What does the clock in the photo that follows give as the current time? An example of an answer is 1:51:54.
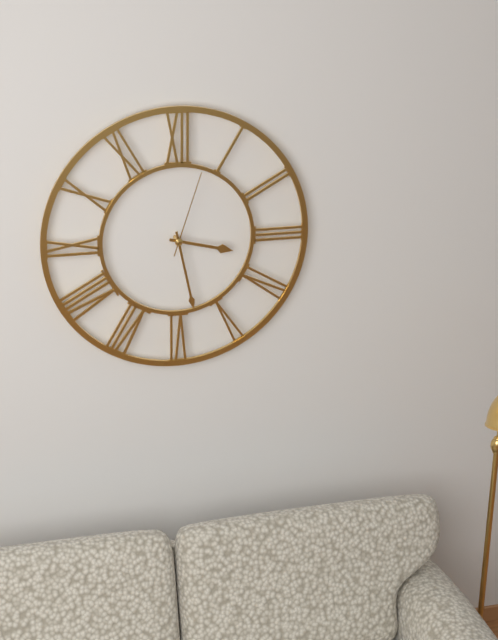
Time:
3:28:03
